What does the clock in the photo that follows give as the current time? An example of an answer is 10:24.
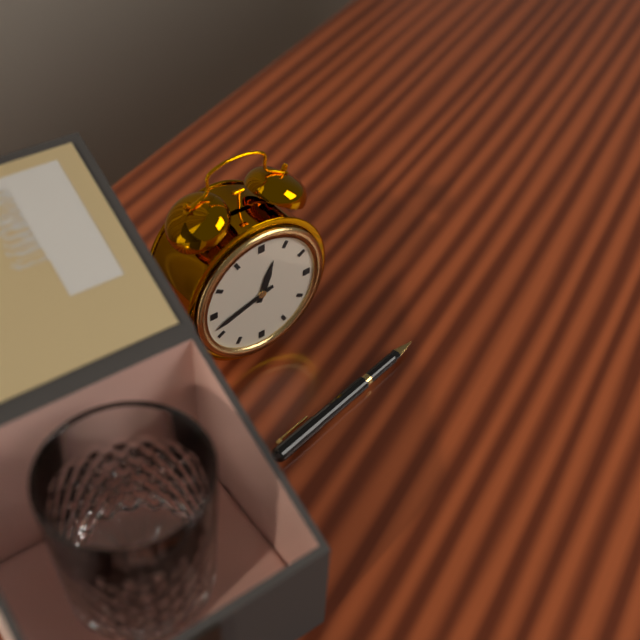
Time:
12:42
